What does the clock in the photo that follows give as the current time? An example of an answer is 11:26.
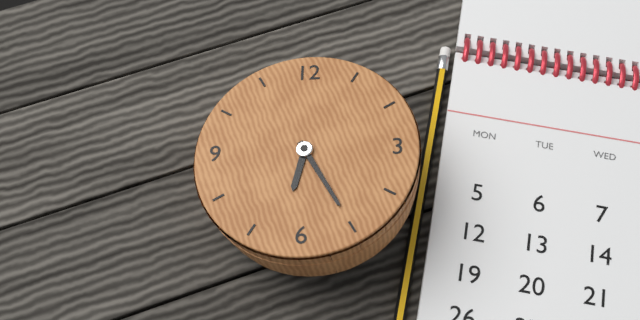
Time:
6:25
